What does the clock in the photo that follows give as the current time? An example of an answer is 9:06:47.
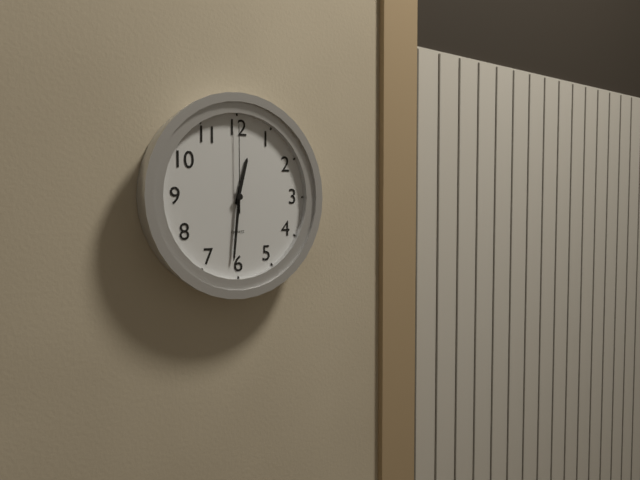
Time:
12:31:00
